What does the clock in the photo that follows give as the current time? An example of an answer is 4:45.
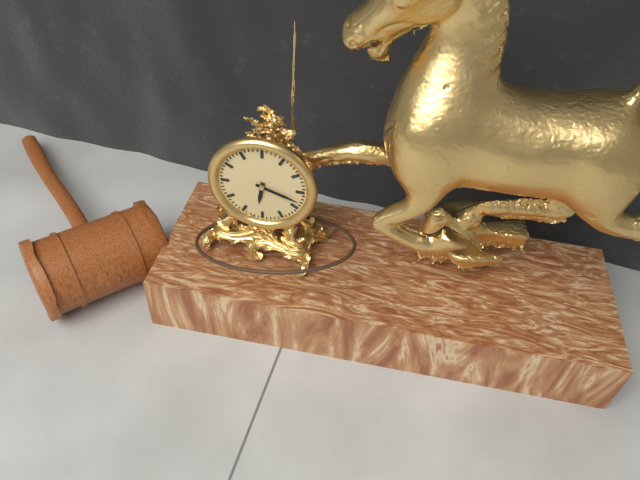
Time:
6:18
